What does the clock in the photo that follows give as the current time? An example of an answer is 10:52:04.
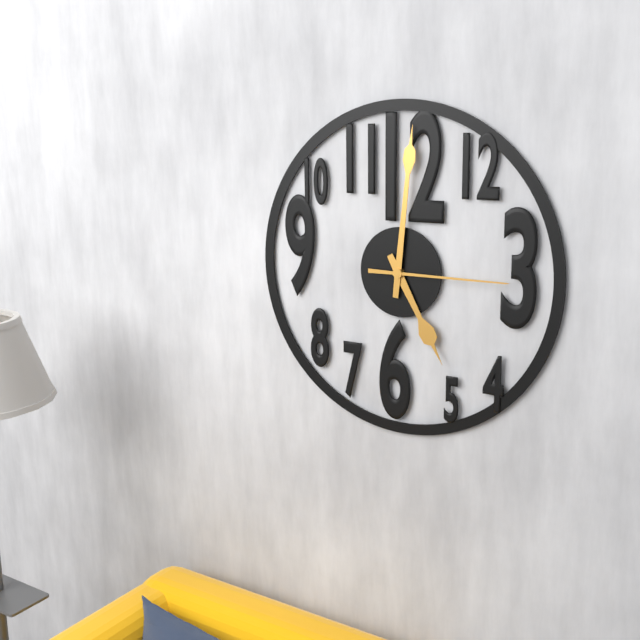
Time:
5:01:15
